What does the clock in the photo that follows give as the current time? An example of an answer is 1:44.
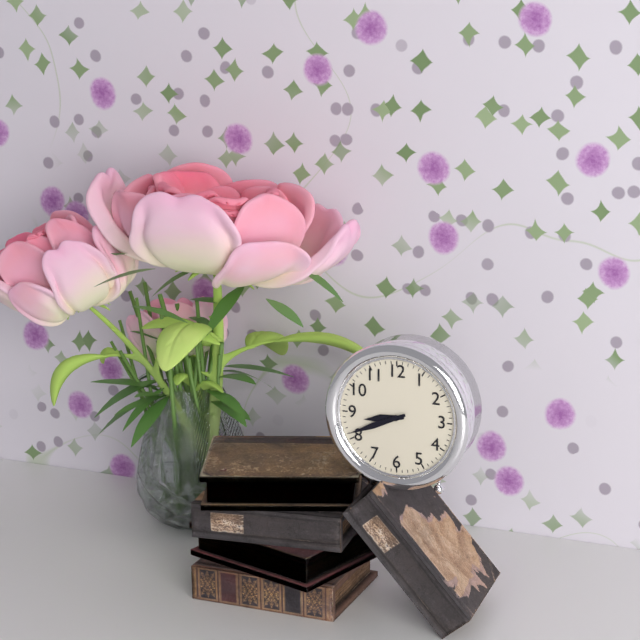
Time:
8:41
